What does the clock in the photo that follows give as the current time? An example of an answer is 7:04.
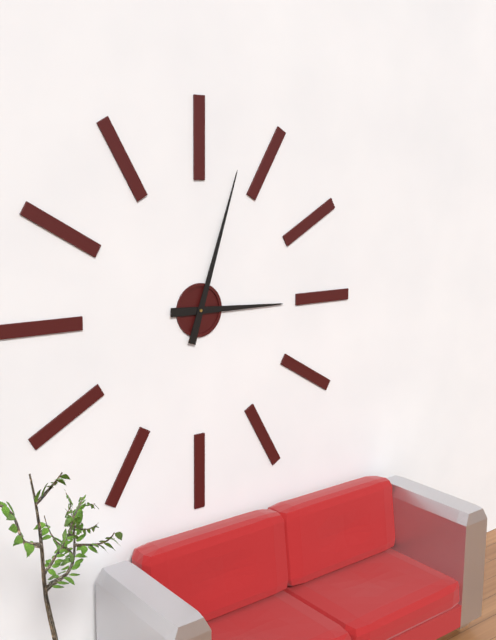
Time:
3:03
